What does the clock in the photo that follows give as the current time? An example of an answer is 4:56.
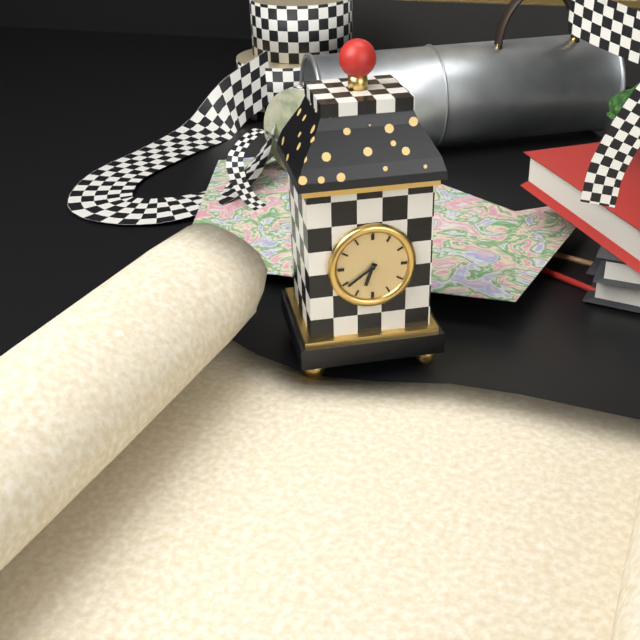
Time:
6:39
